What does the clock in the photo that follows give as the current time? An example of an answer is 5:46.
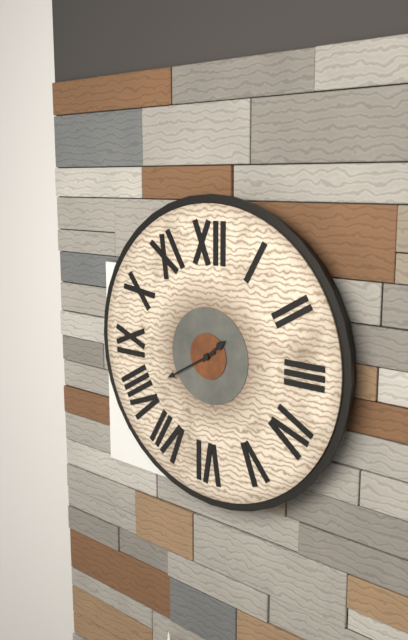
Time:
1:40
